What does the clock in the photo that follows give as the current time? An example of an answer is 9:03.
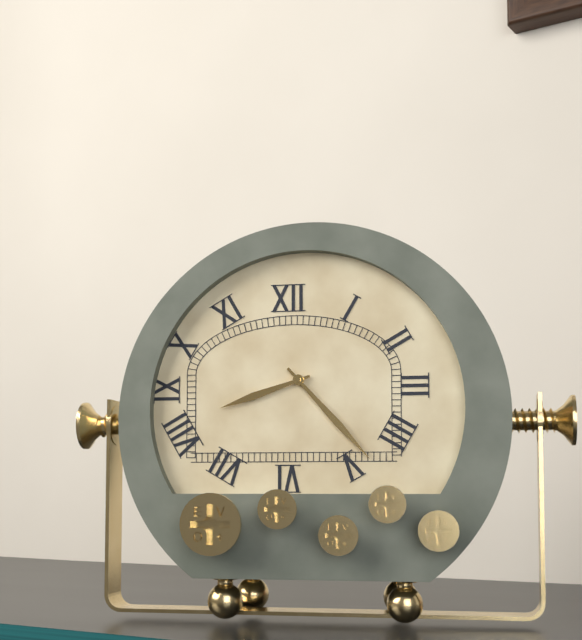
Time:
8:23
